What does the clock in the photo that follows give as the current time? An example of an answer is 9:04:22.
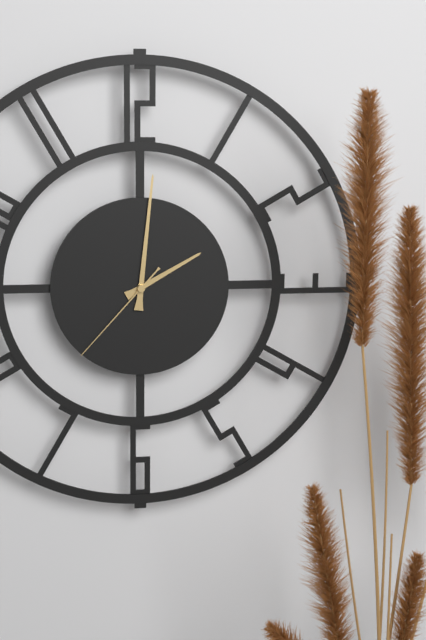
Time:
2:01:37
